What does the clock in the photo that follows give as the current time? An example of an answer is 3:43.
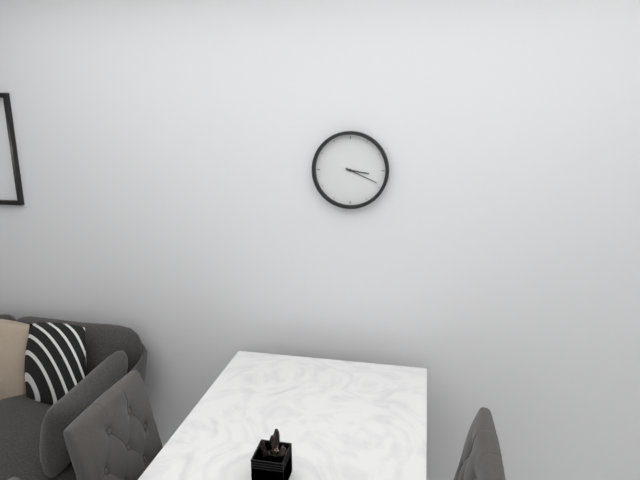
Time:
3:19
